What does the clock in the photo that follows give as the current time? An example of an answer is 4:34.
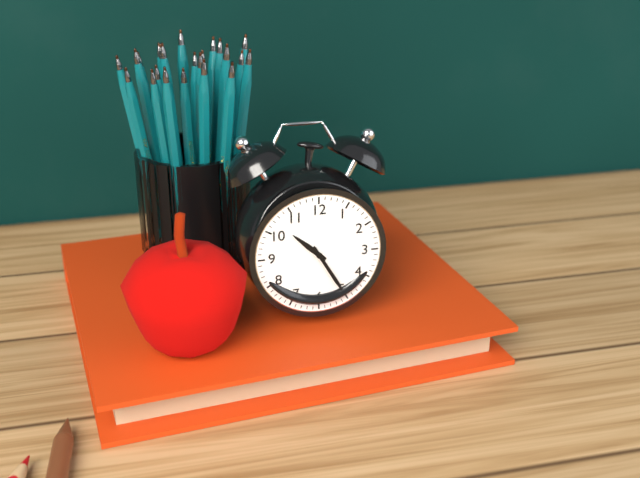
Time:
10:25
